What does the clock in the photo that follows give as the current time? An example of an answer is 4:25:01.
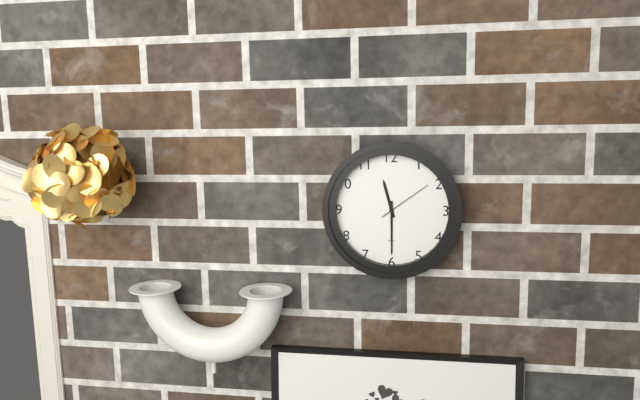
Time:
11:30:09
